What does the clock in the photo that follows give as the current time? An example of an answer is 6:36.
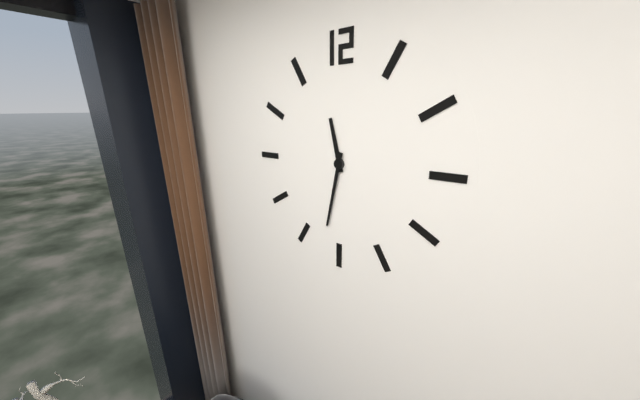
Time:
11:32
